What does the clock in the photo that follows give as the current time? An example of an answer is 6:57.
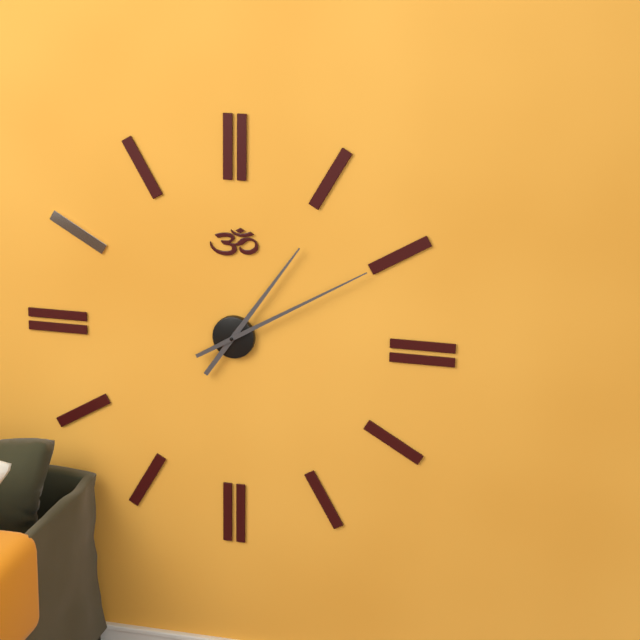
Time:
1:10
